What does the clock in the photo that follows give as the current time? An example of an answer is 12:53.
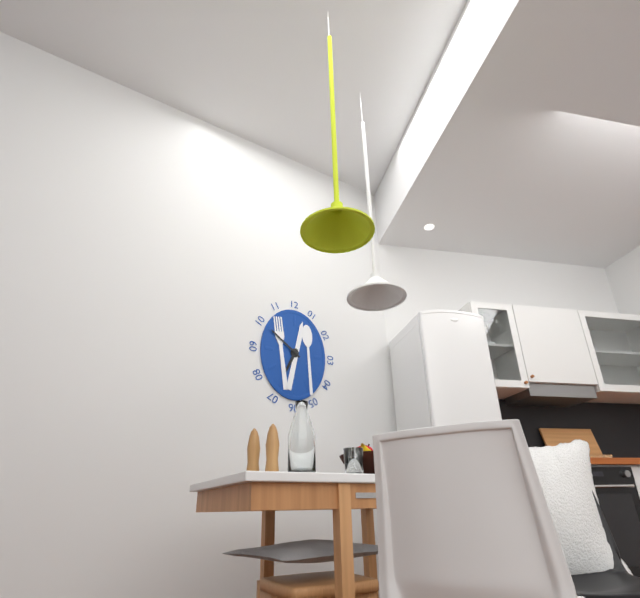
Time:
6:51
